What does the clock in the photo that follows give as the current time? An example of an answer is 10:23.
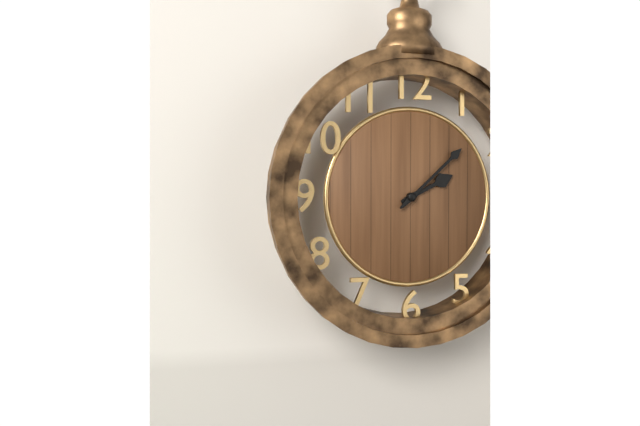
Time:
2:08
